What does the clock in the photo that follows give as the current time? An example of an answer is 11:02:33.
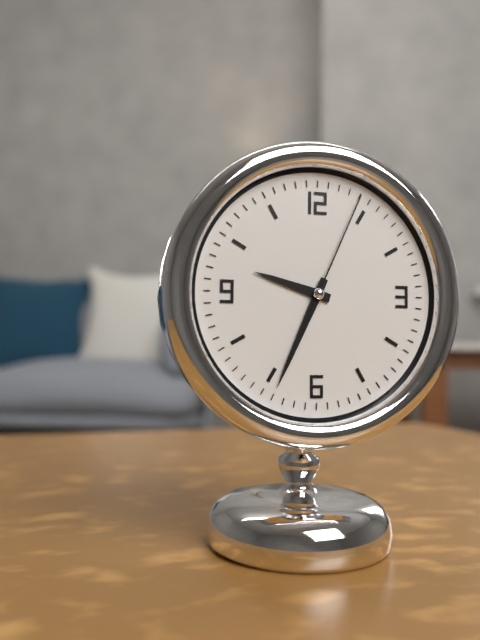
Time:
9:34:04
